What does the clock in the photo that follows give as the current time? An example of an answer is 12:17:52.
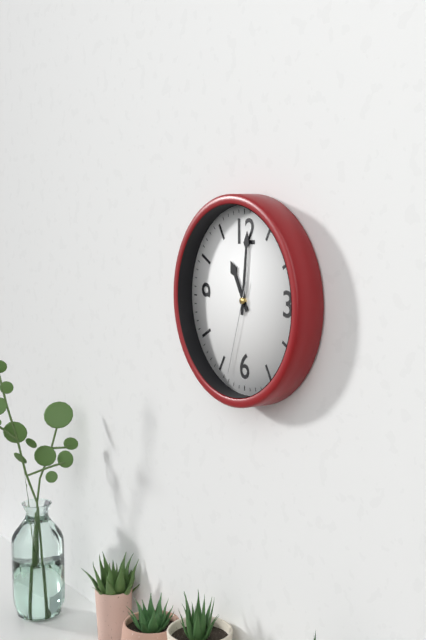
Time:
11:01:33
